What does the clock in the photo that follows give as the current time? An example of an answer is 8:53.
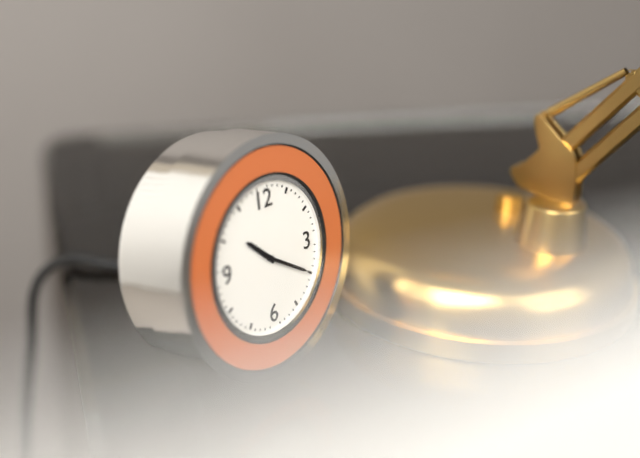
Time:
10:20
